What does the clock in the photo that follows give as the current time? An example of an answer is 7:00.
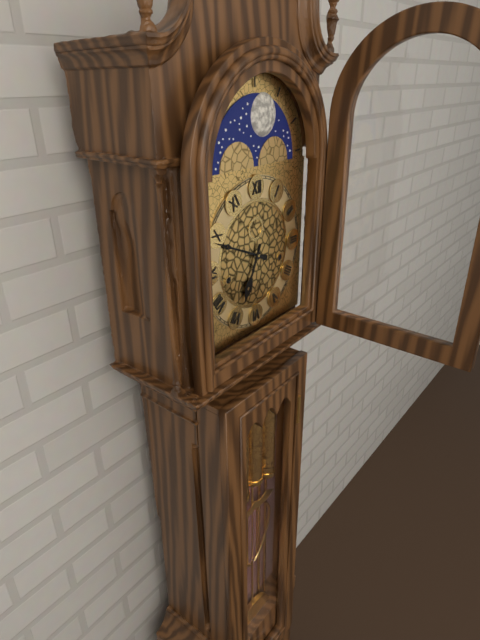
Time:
6:49
